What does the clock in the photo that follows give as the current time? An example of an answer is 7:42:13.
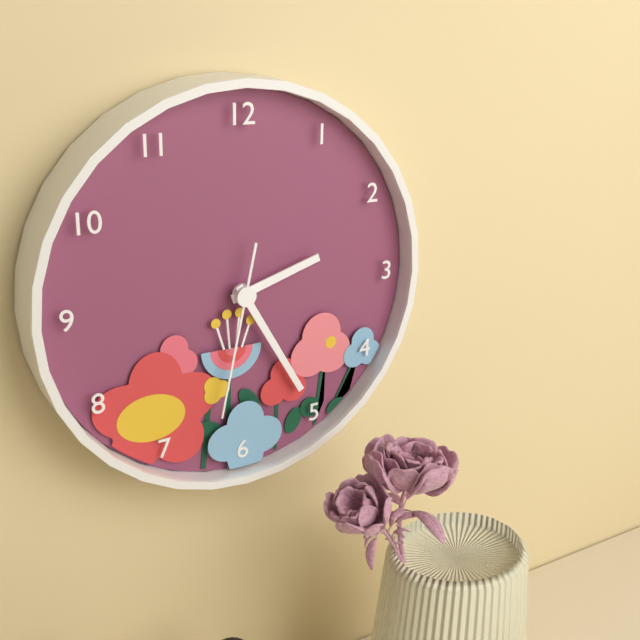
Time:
2:25:32
